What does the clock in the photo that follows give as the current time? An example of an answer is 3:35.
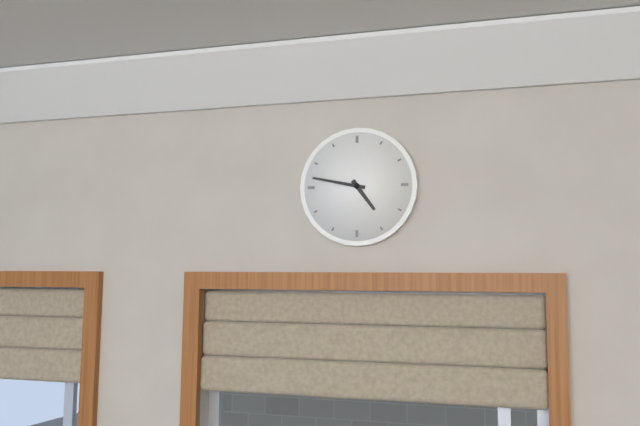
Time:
4:47
